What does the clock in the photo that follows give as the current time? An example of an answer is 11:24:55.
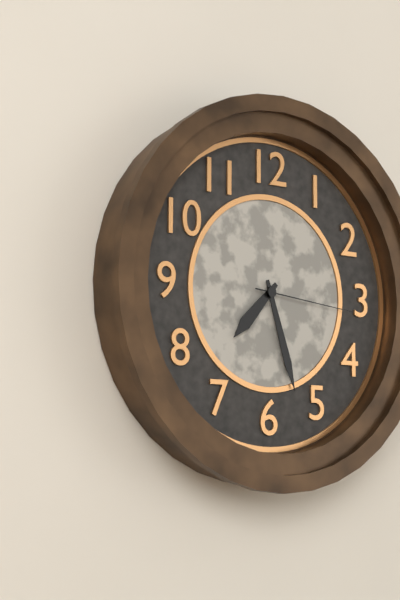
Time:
7:27:16
